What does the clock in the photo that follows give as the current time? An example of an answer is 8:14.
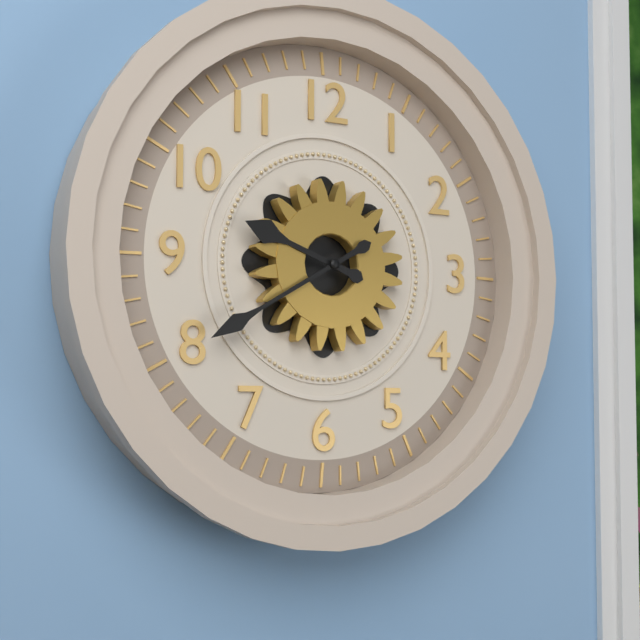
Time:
9:40
